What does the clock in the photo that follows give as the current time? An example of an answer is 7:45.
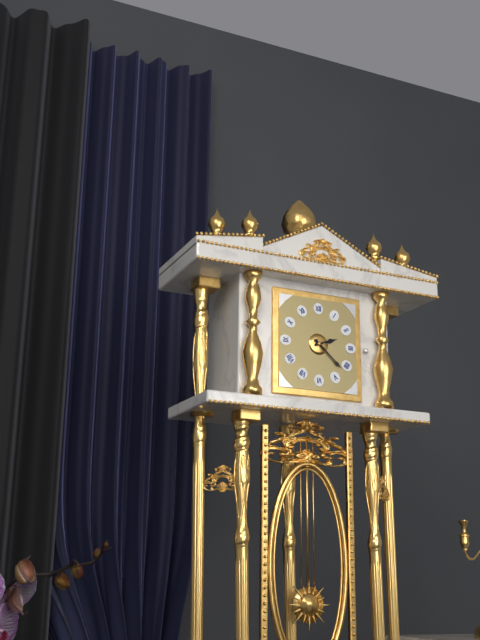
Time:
2:22
